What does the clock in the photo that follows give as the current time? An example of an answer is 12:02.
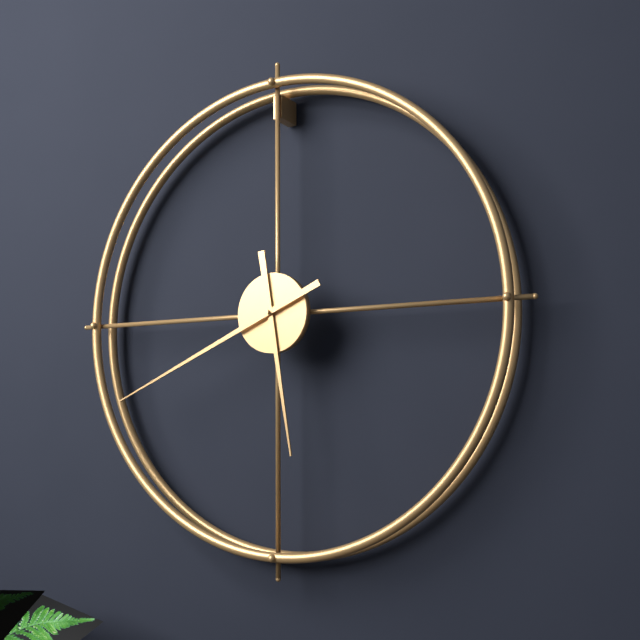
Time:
5:41
